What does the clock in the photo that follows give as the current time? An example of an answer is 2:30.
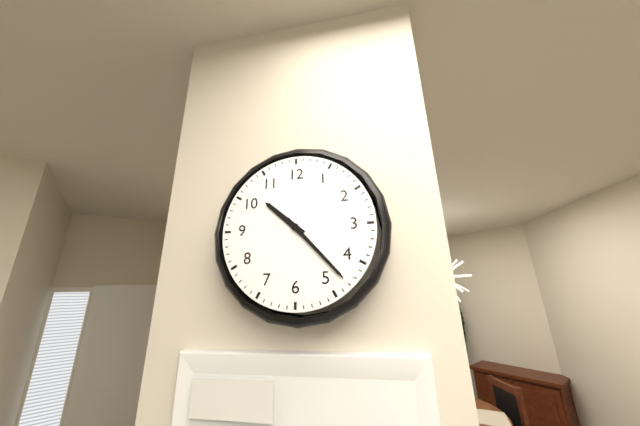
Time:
10:23
